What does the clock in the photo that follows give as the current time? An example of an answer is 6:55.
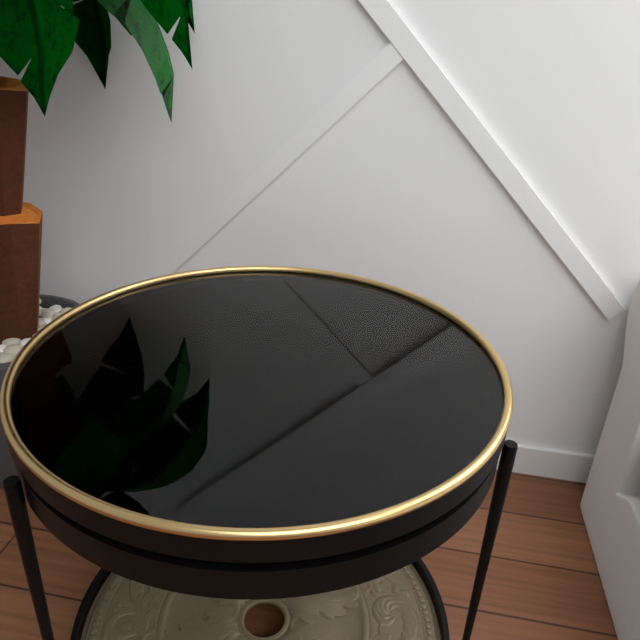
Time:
12:03
